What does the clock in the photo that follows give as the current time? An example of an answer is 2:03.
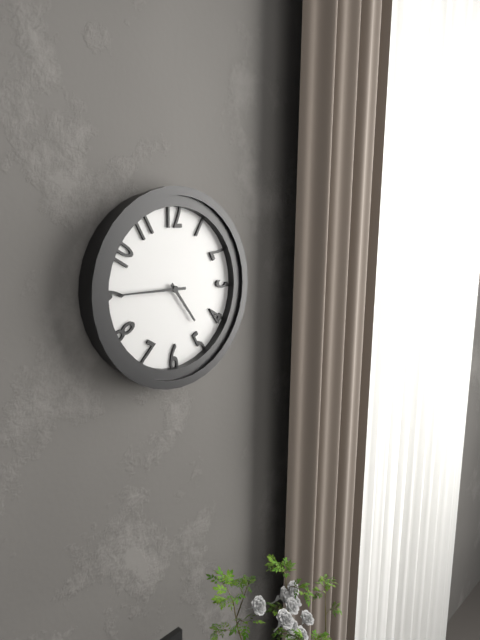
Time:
4:45
